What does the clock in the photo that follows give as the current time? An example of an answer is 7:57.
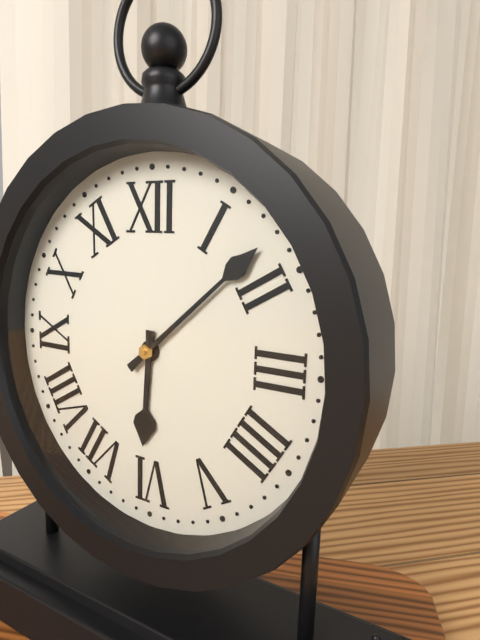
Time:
6:08
